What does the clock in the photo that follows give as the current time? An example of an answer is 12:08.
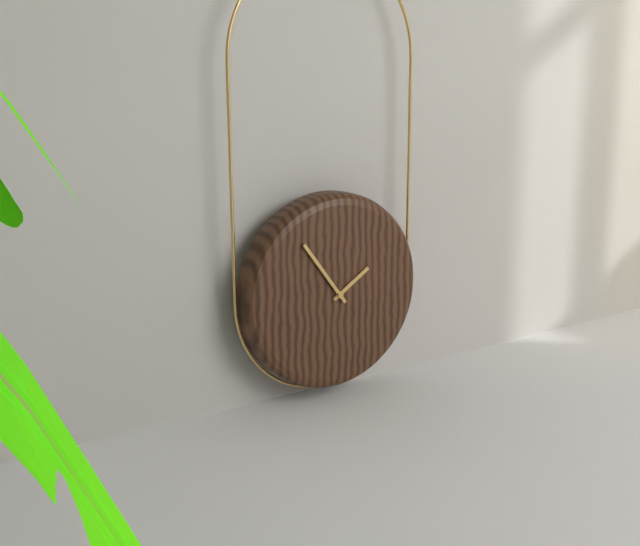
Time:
1:54
